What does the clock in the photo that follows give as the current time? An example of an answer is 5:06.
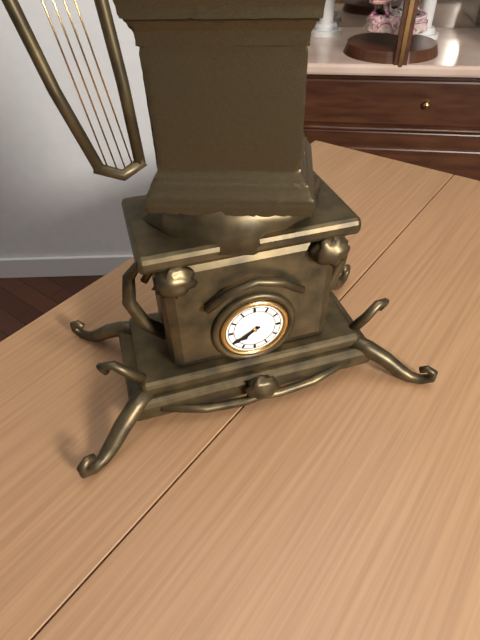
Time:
7:40
